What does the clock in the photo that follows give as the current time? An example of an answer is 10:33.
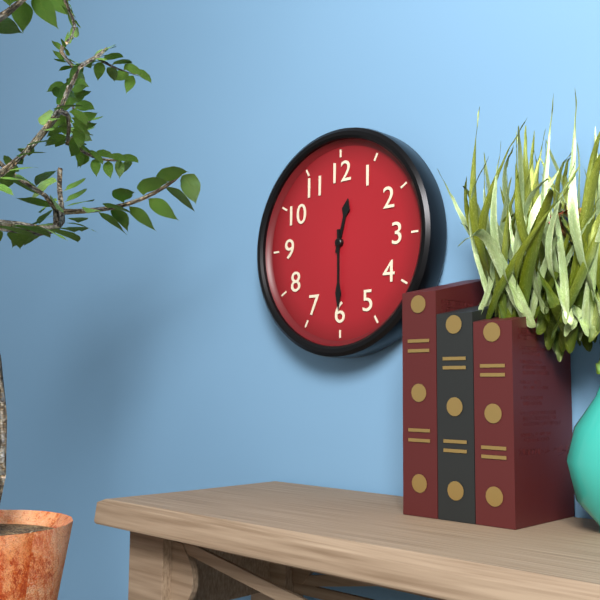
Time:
12:30
